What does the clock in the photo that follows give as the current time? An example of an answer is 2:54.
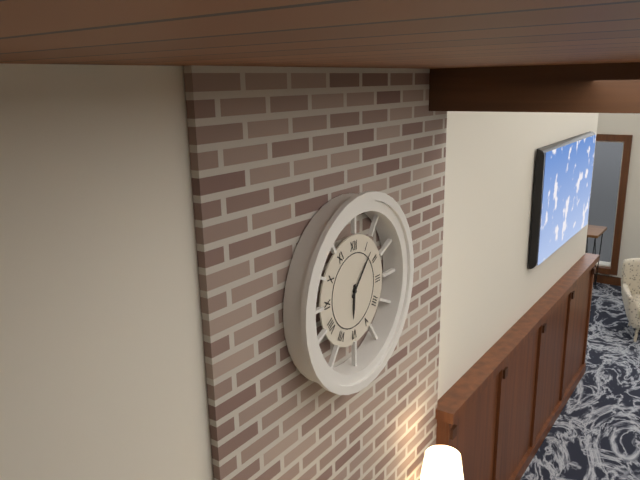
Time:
6:07
